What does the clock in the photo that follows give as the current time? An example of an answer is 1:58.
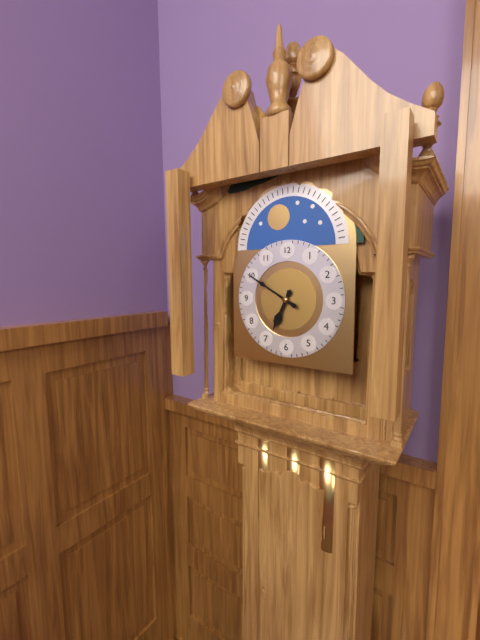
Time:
6:50
